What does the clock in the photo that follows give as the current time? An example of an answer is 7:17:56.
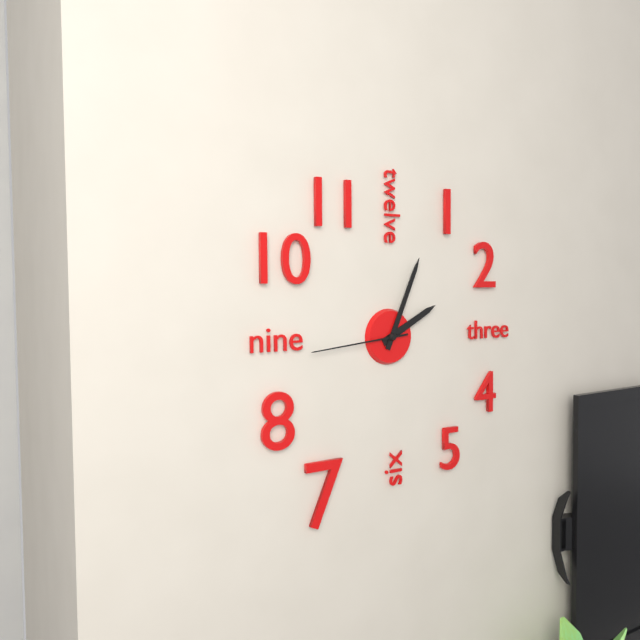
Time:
2:04:44
